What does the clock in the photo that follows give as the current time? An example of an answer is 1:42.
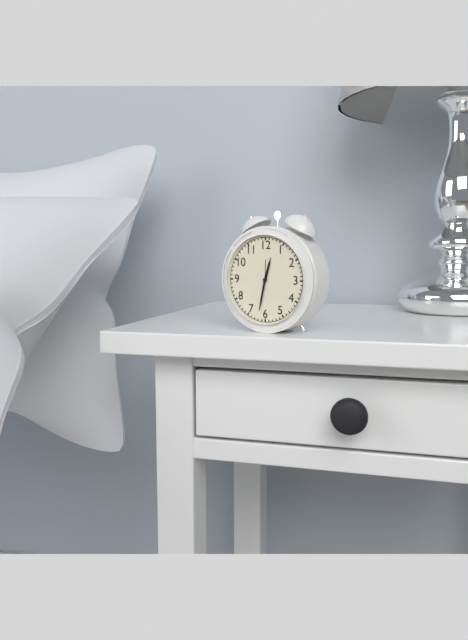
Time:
12:32
